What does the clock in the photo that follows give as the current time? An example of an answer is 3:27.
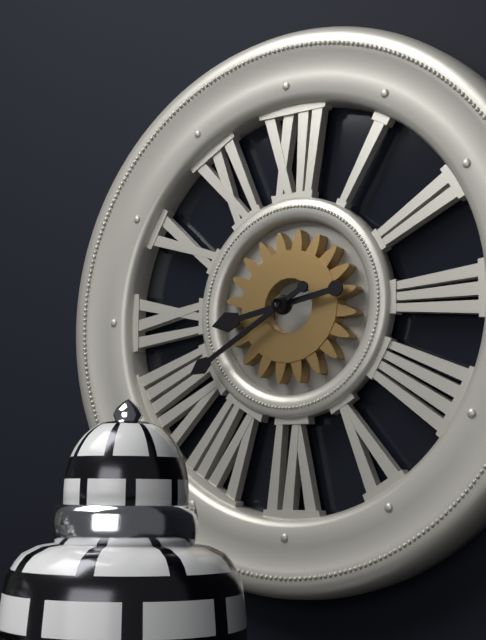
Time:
8:40
